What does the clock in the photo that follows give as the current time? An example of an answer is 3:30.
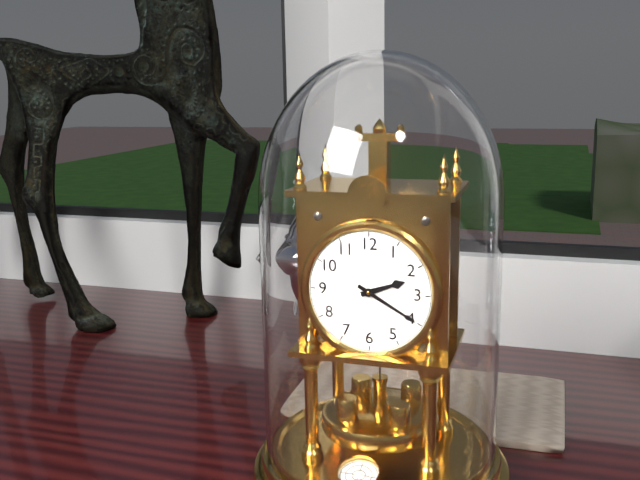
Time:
2:20
